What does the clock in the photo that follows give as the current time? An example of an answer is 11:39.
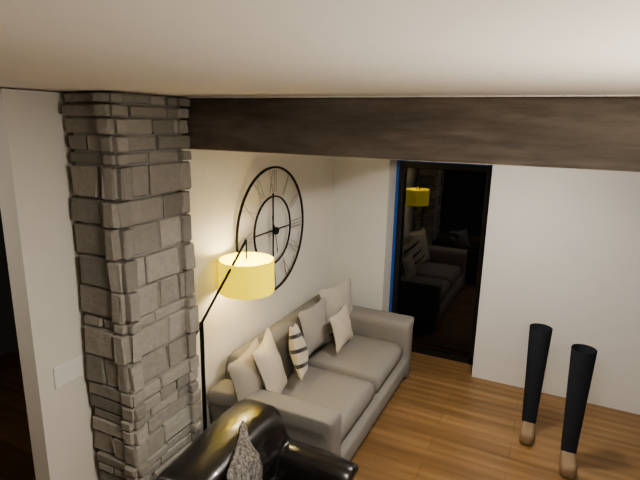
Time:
11:28
